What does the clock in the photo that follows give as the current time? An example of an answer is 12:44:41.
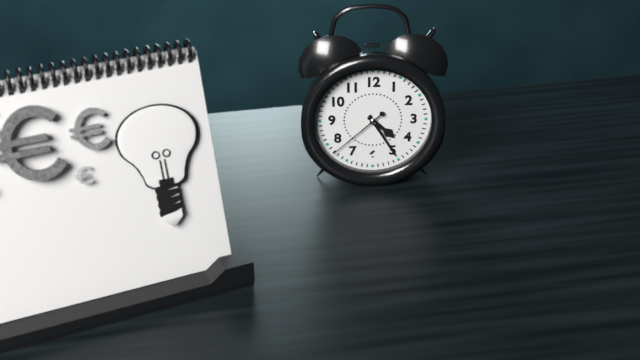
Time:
4:25:38
